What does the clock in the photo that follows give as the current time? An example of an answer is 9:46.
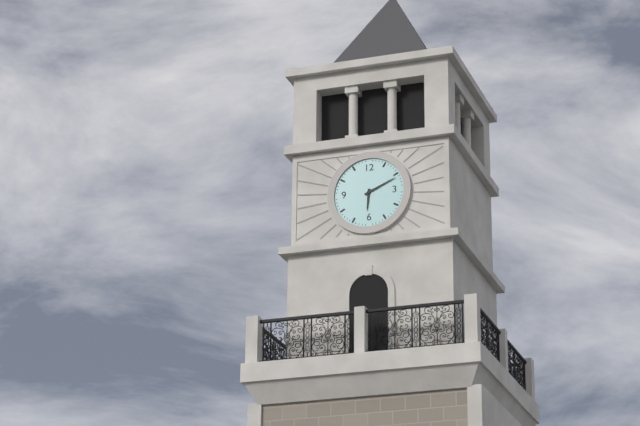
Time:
6:11
